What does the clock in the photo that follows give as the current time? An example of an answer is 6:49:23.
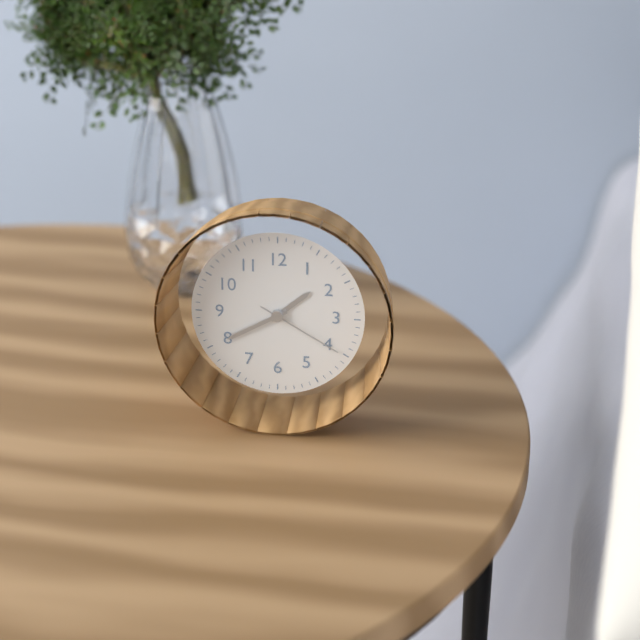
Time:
1:40:20
